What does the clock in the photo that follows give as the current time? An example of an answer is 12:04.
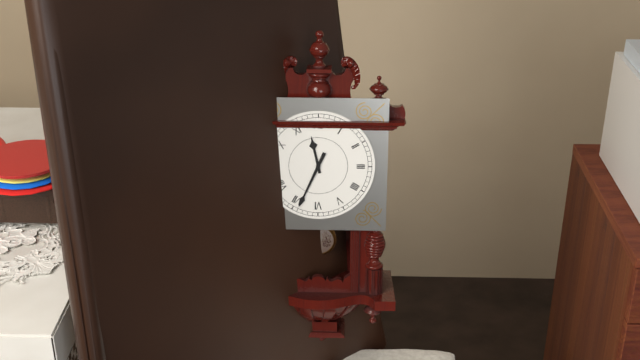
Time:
11:34
